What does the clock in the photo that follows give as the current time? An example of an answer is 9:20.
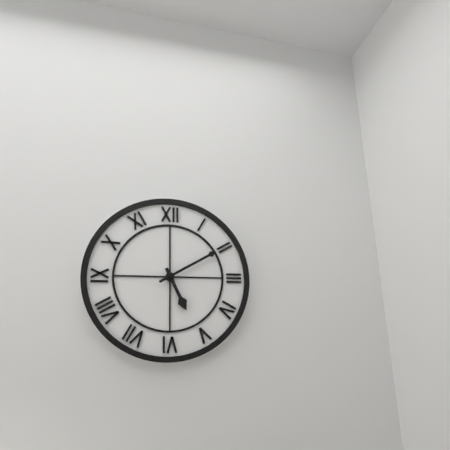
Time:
5:10
